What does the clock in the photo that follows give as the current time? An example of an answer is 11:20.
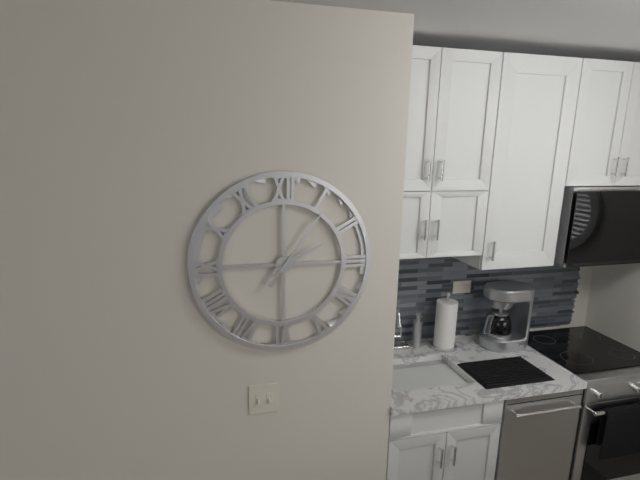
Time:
2:06
